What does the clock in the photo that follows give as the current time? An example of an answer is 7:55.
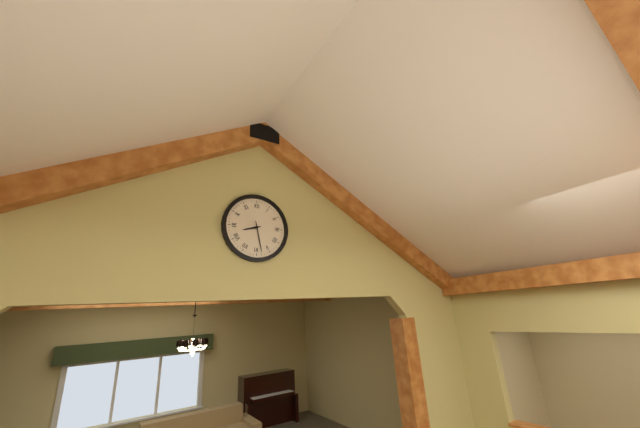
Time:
8:28
